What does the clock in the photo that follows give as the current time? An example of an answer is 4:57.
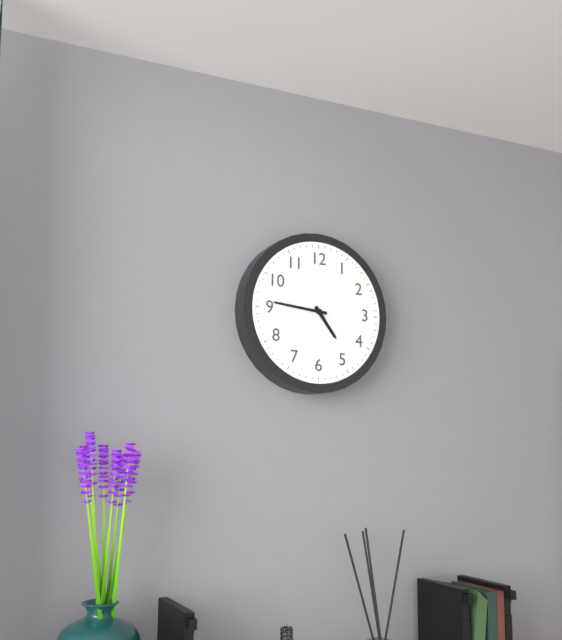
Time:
4:46
